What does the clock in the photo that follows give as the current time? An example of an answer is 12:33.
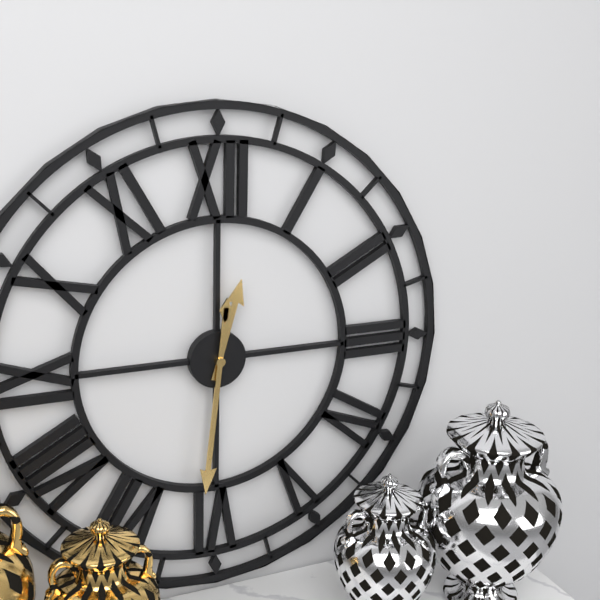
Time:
12:31
